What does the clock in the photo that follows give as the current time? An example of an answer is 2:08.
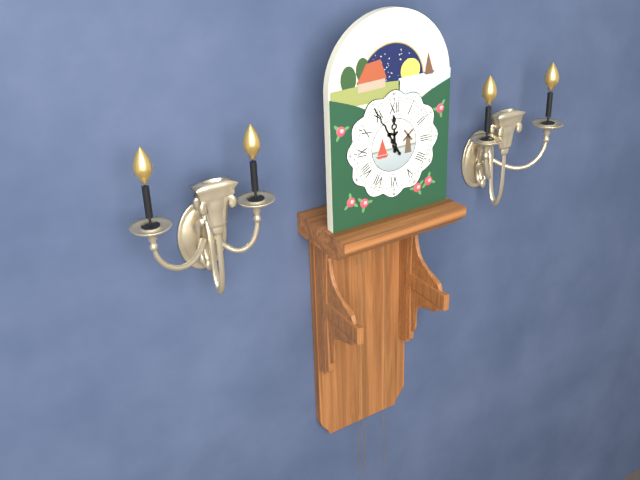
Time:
11:55
